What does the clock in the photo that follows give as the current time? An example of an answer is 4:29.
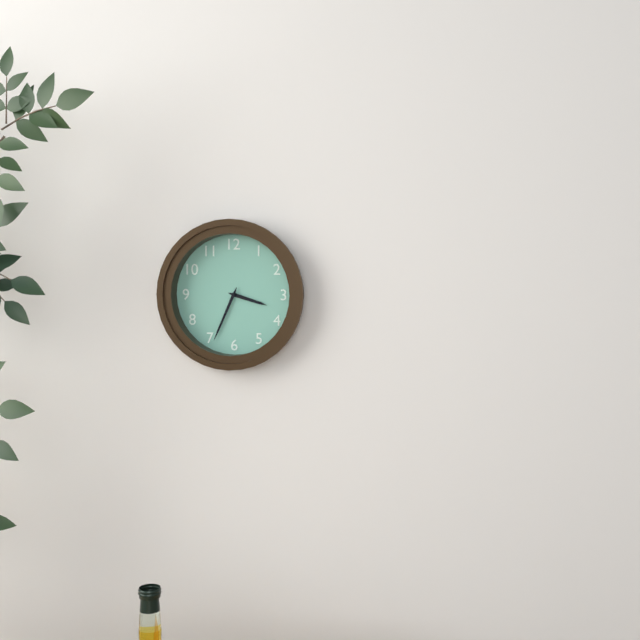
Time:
3:34
